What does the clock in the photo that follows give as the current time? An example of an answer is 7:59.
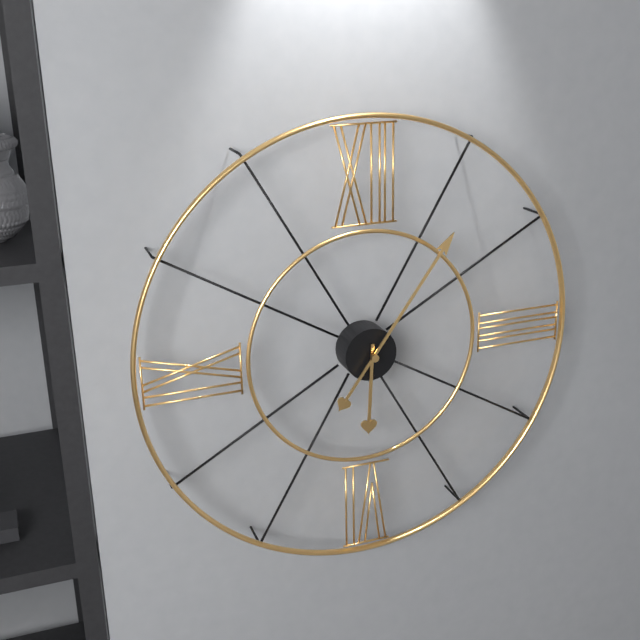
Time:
6:06
